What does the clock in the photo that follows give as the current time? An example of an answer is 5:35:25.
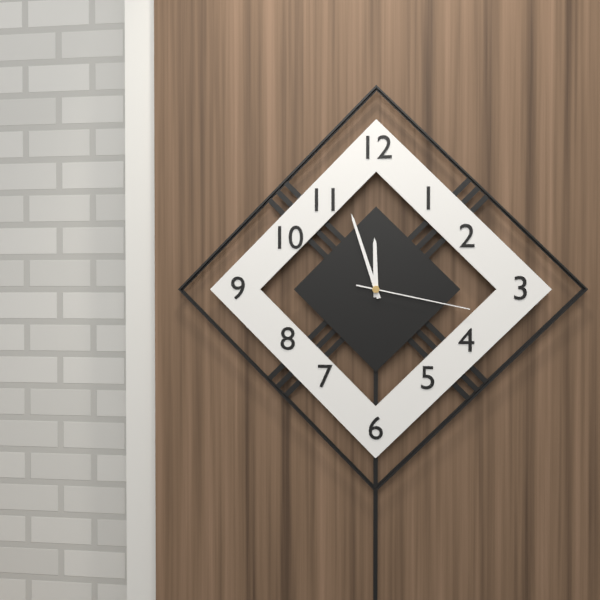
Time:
11:57:17
